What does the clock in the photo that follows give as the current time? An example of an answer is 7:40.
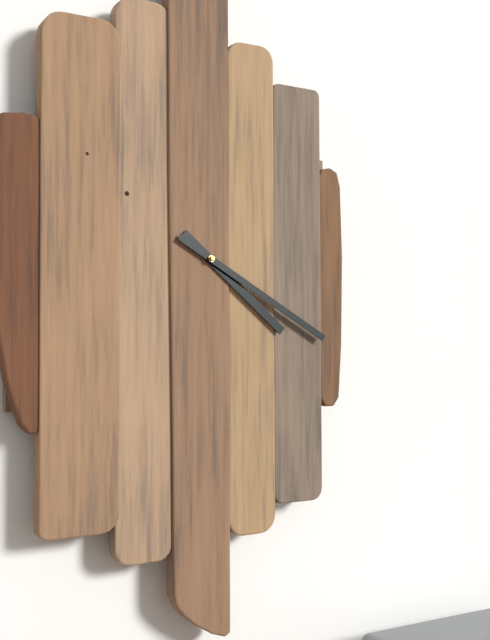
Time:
4:20
